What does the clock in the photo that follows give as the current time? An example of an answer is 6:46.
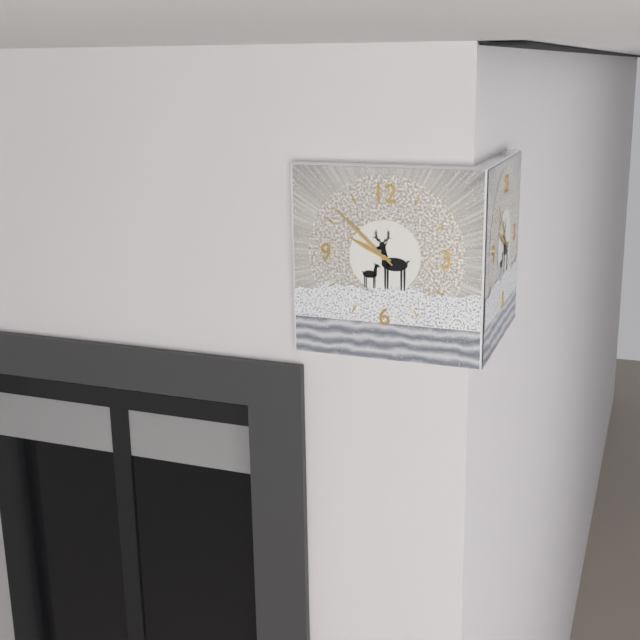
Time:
9:52
